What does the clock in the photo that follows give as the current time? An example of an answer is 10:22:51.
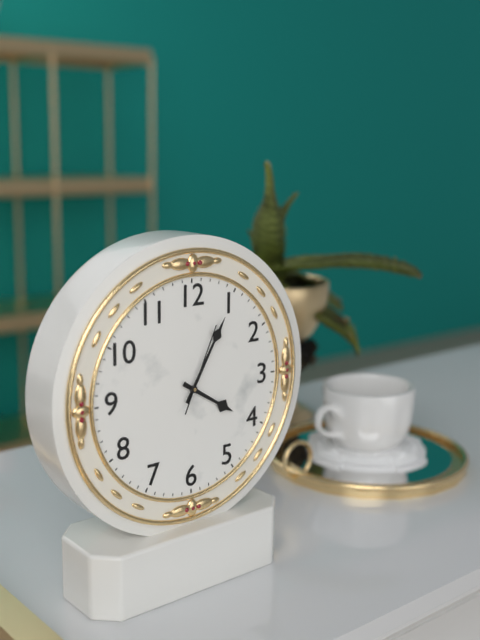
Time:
4:05:04
